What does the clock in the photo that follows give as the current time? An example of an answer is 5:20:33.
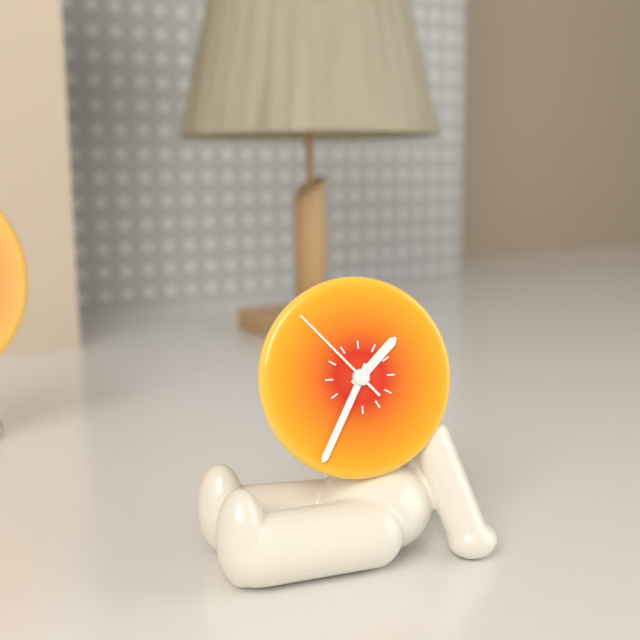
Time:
1:35:53
